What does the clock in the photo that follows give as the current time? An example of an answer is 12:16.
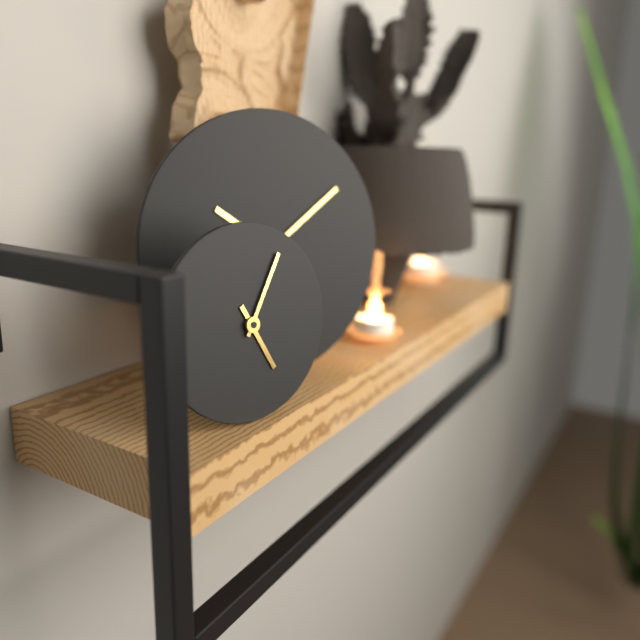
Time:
5:05
